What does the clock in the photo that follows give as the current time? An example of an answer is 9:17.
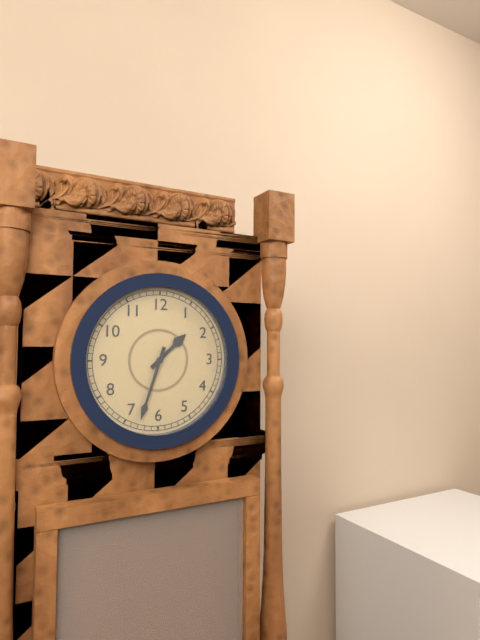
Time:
1:33
